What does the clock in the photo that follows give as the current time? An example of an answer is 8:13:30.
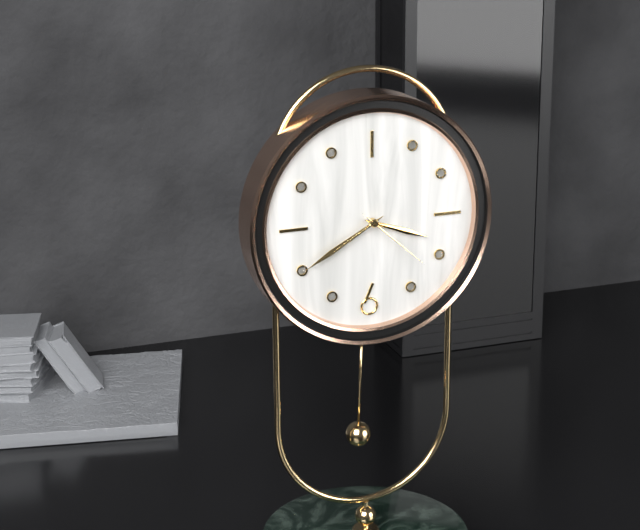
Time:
3:40:22
